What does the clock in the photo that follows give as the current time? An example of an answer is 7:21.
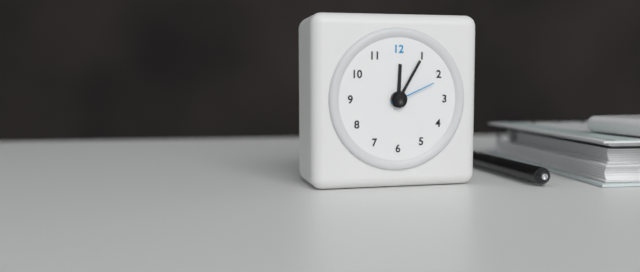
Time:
12:05
